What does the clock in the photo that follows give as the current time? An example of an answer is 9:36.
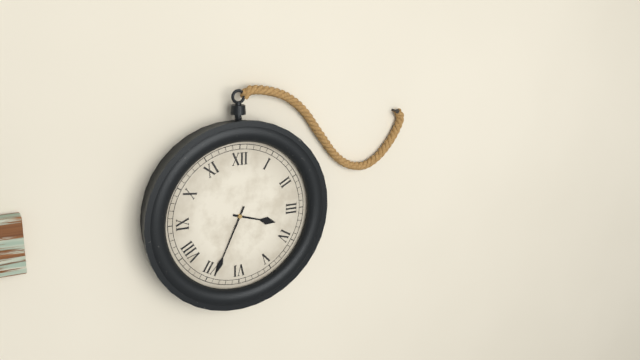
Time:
3:34
